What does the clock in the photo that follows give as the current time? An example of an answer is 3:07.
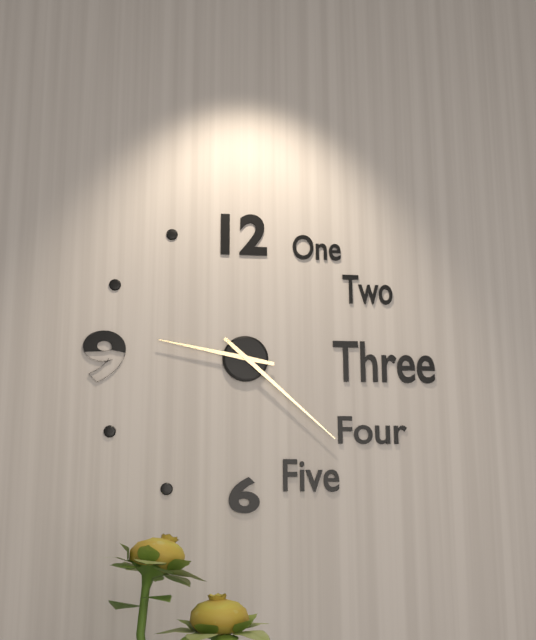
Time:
9:22
